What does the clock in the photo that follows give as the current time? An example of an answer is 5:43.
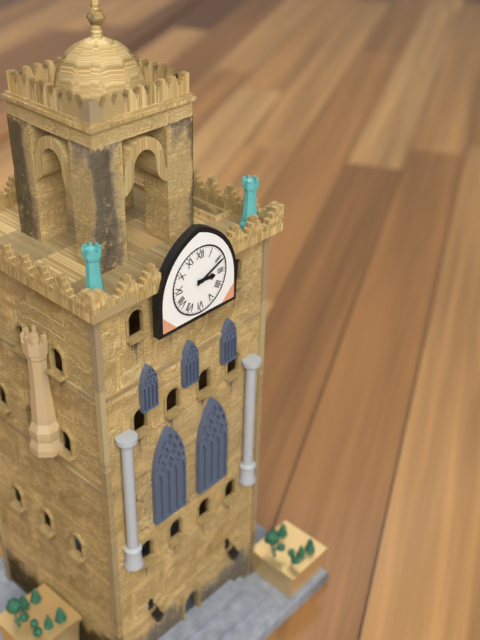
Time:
3:11
